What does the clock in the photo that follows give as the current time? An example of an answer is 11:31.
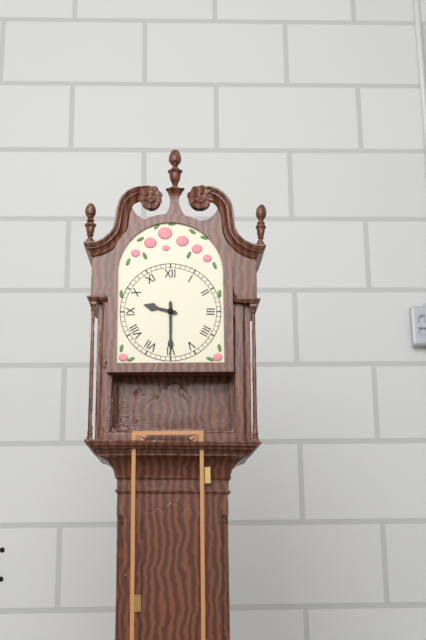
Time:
9:30
